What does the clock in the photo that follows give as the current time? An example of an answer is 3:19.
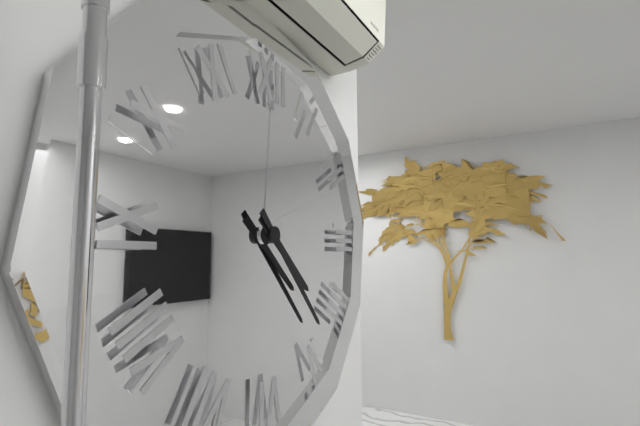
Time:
4:23
